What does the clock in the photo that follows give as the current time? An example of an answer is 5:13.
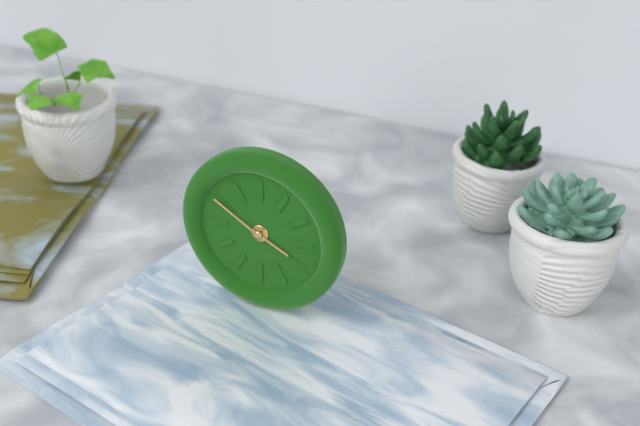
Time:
3:50
